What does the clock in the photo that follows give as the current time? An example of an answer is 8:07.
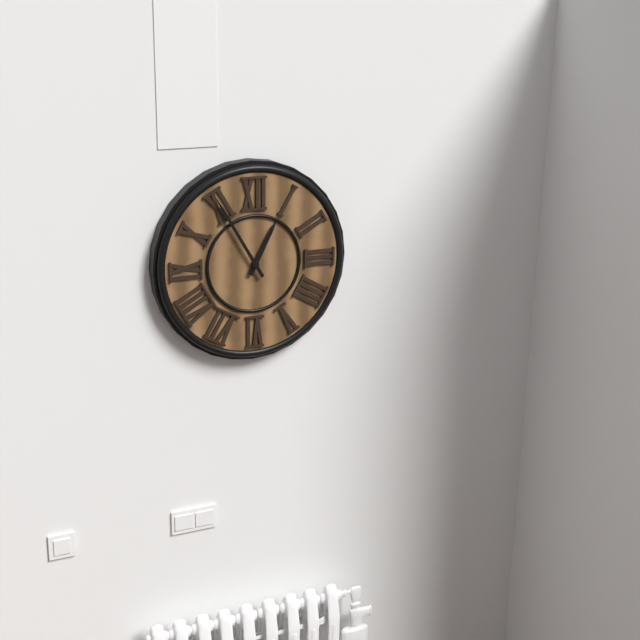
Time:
12:55
